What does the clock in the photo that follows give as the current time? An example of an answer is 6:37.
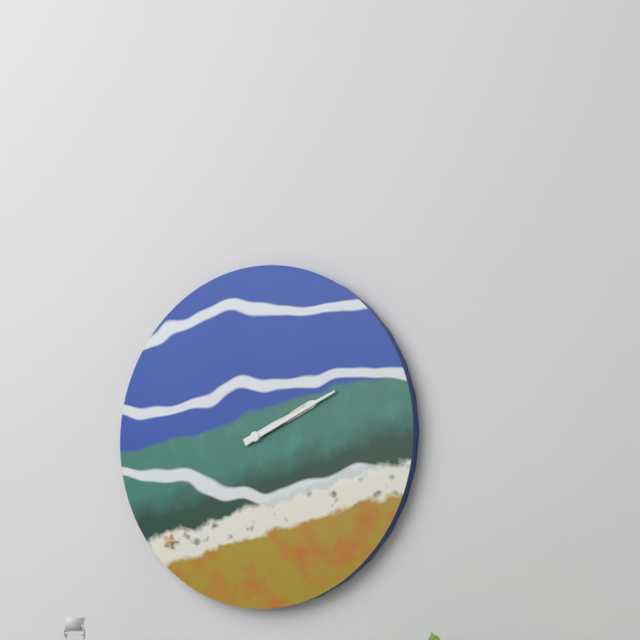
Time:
2:11
